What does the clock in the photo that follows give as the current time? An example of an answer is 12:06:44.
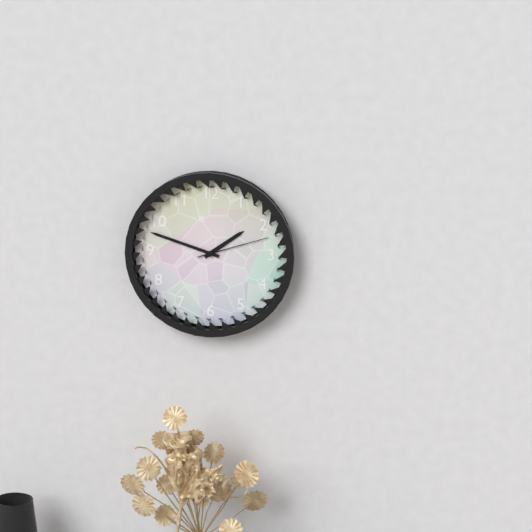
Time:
1:48:12
